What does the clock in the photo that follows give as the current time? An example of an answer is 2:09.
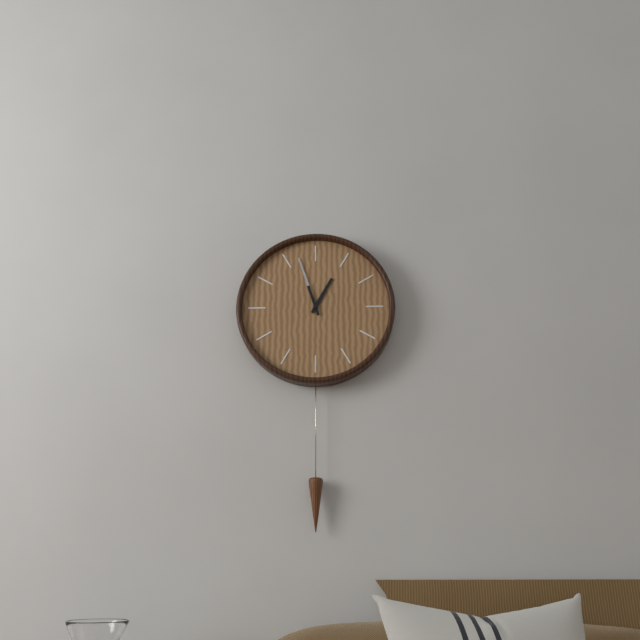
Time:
12:57
